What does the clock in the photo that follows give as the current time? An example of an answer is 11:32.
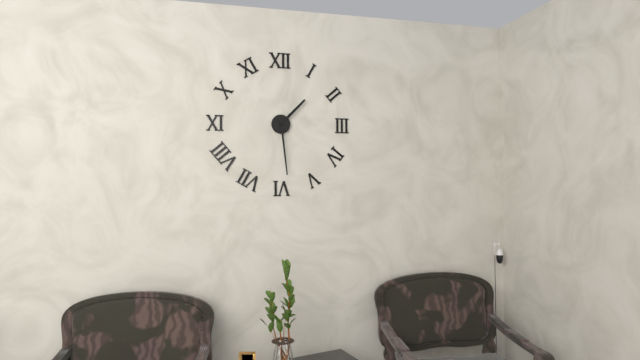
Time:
1:29
